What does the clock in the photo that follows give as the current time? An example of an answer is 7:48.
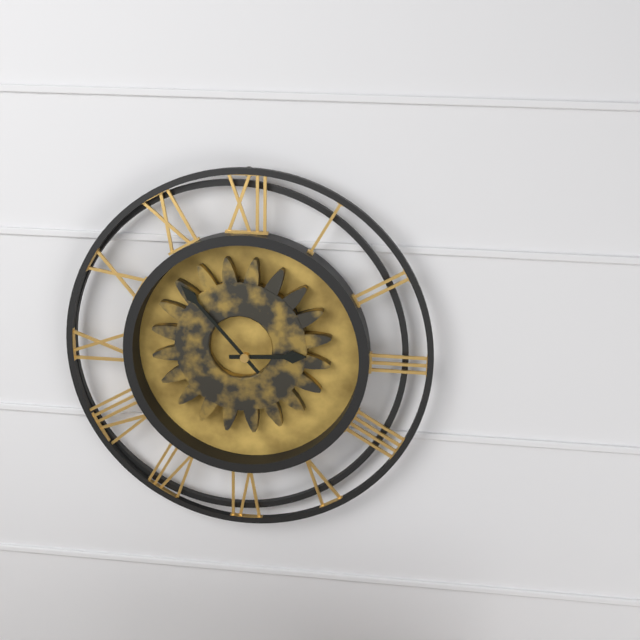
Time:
2:53
